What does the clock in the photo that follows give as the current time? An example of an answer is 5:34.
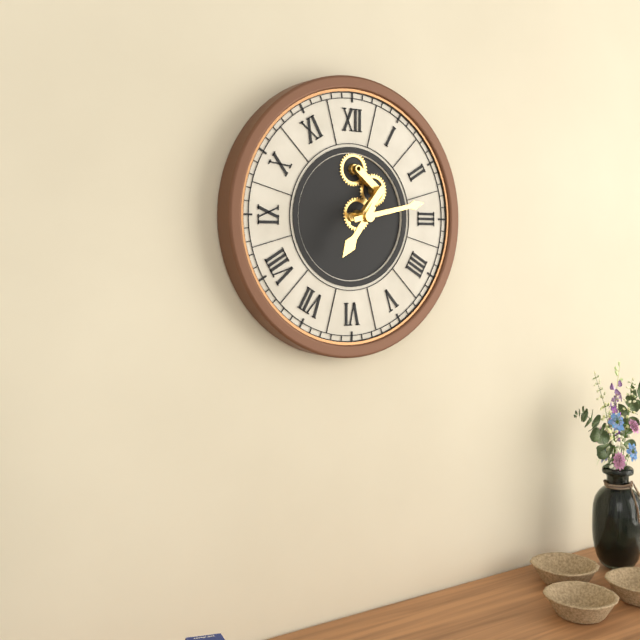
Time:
7:13
